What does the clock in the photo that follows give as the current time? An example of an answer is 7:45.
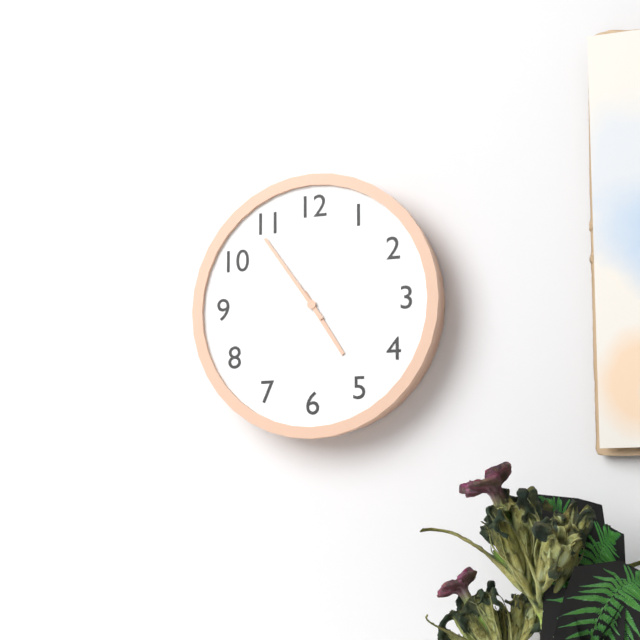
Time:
4:54
